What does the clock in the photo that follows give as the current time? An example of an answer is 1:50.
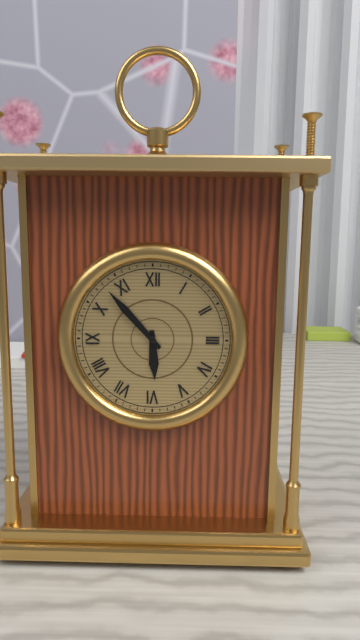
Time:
5:53
